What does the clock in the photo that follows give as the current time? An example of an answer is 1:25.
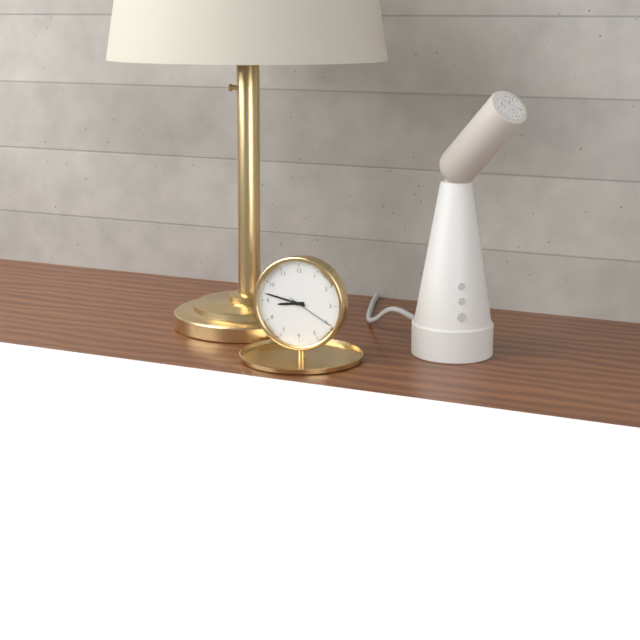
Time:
8:47
